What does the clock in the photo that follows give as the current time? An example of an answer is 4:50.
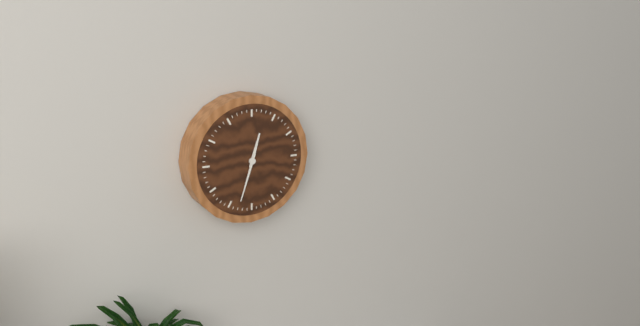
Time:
12:33
